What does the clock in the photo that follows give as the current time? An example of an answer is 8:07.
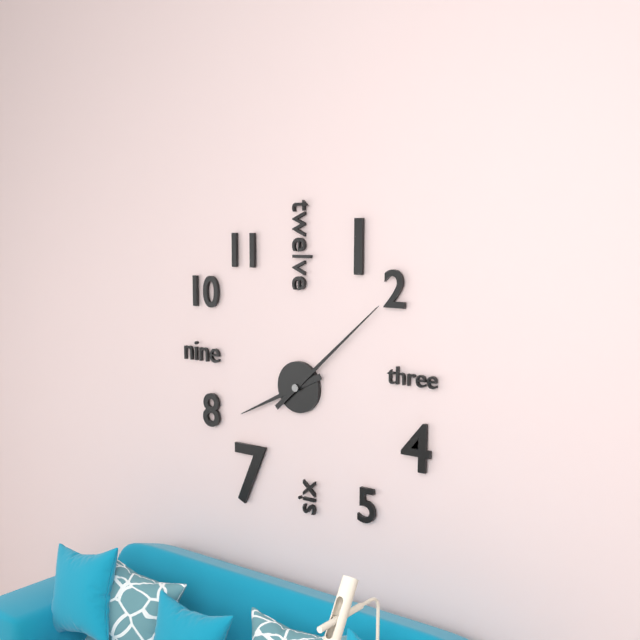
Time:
8:08
